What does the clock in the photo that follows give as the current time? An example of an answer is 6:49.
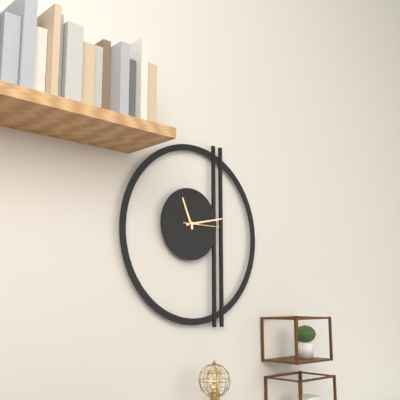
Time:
11:13
